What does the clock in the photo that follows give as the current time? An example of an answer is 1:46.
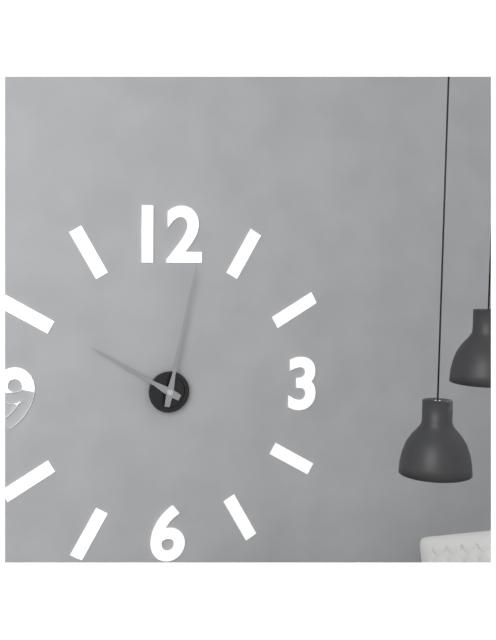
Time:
10:02
